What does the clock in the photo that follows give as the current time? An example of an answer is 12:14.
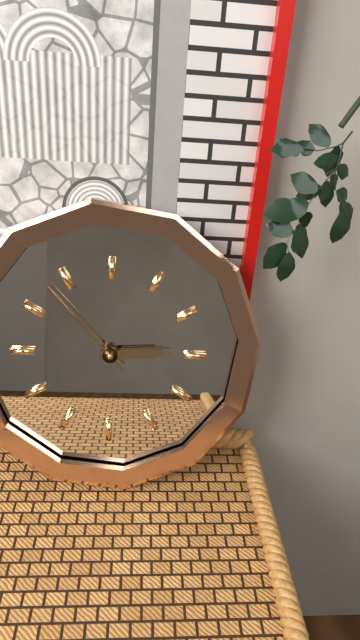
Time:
2:53
